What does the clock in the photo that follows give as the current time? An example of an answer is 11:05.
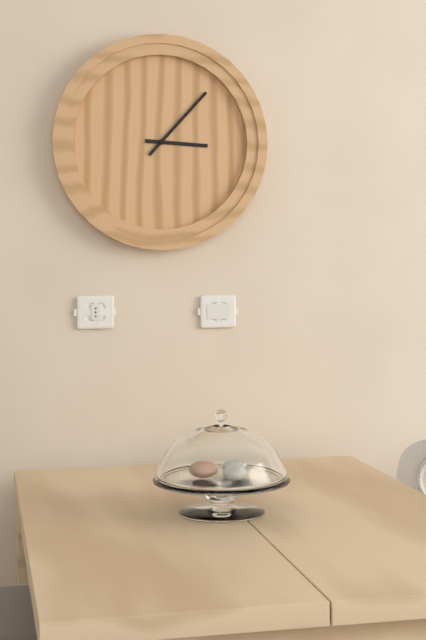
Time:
3:07
